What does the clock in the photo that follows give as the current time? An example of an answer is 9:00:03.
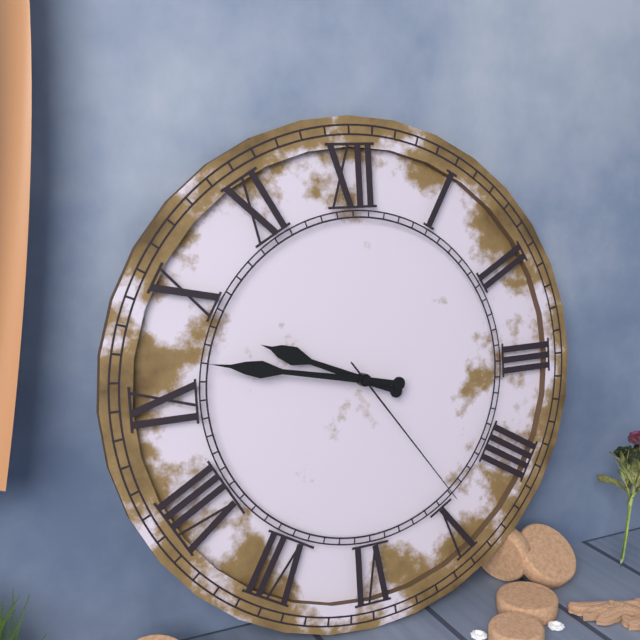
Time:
9:47:24
